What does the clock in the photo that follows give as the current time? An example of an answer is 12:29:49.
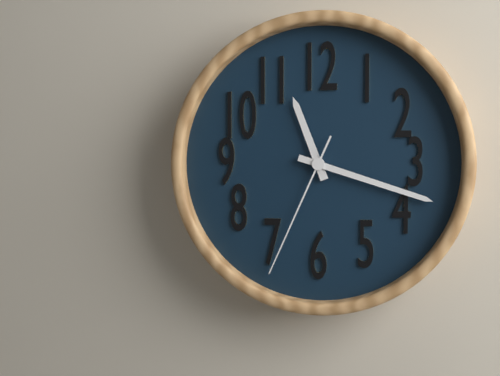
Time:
11:18:34
